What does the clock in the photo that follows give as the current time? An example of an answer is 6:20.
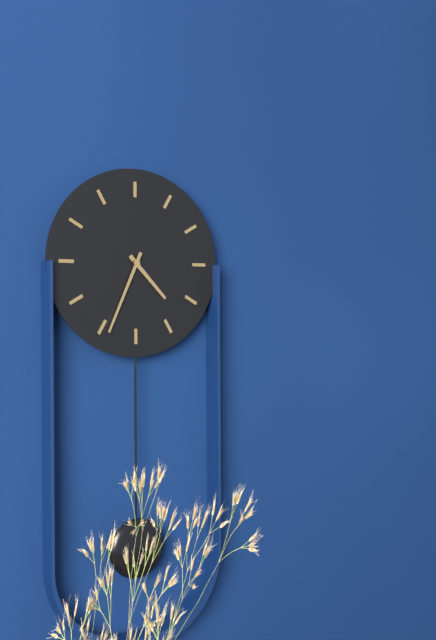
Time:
4:34
